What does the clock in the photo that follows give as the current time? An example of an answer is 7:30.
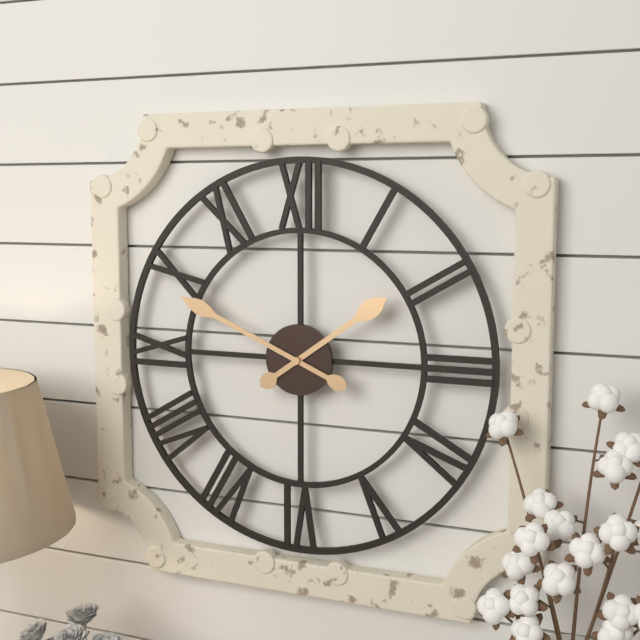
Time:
1:49
